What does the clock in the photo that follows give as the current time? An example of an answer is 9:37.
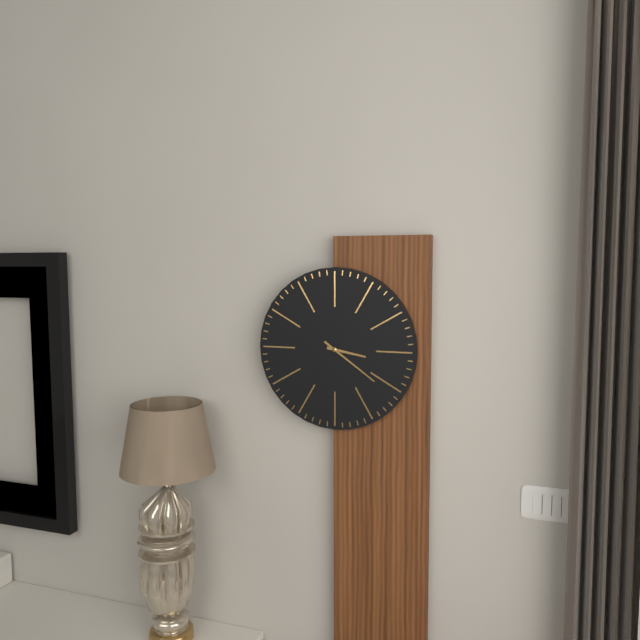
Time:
3:21
